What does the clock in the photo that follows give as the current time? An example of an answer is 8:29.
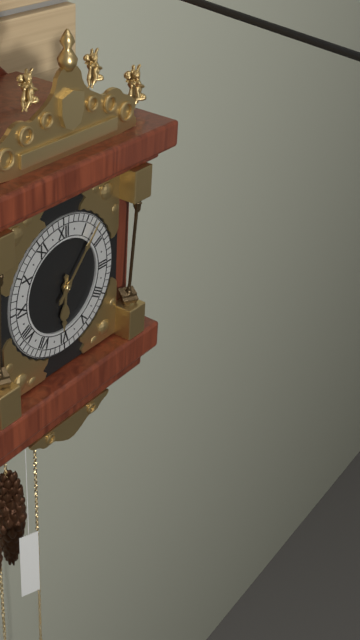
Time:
6:07
